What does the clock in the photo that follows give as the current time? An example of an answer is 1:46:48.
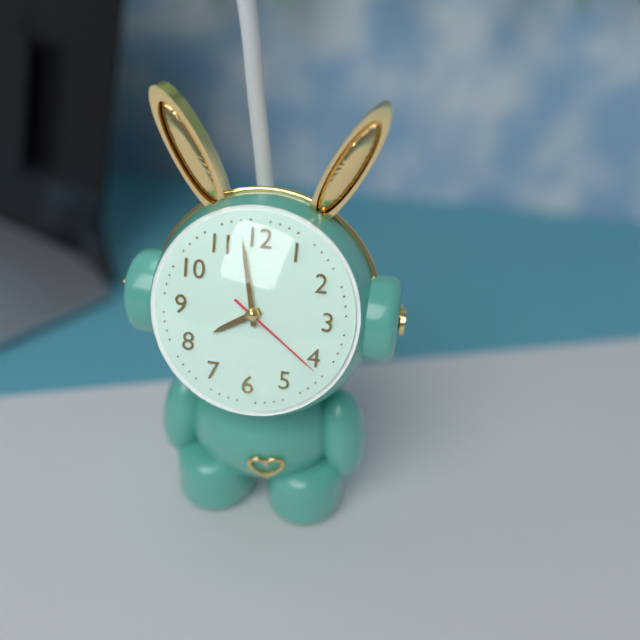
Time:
7:58:21
